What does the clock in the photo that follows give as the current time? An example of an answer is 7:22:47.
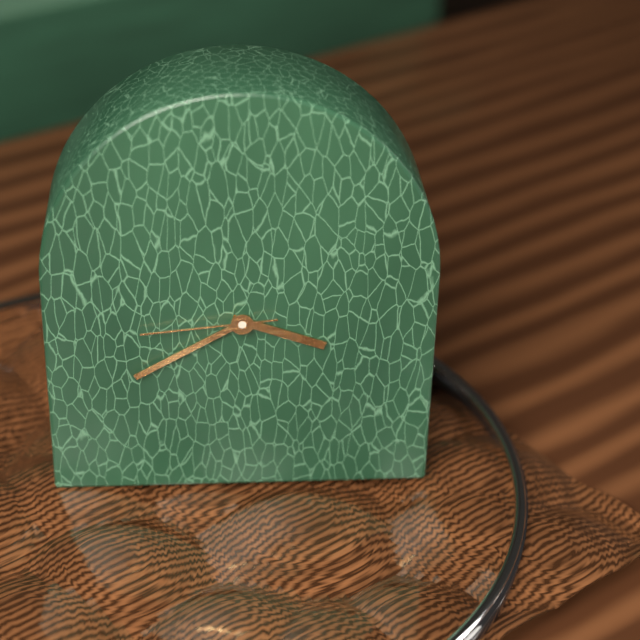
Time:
3:40:44
